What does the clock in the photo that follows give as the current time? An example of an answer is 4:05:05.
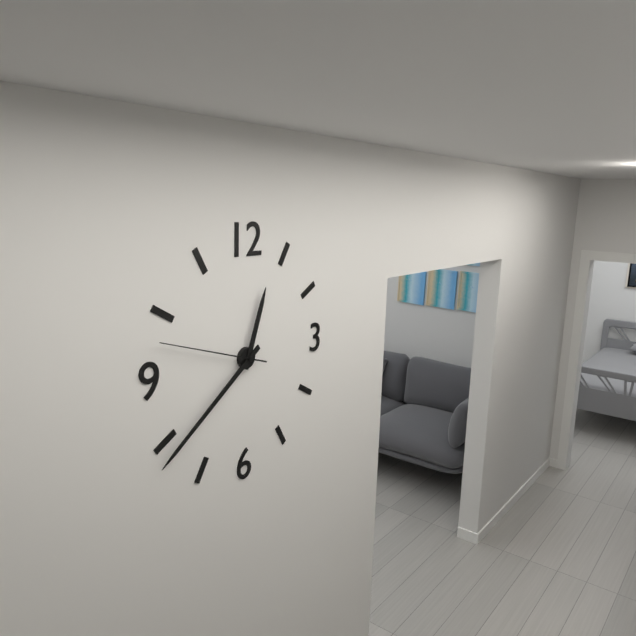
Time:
12:39:48
